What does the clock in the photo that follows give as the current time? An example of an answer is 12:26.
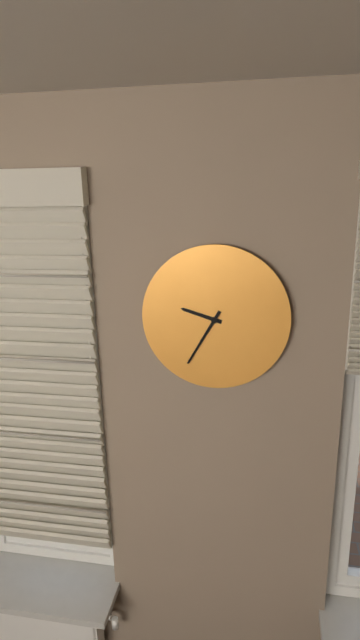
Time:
9:35
